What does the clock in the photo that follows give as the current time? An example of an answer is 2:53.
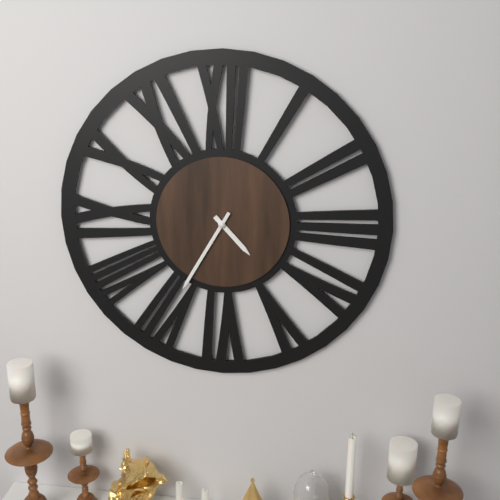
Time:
4:35
